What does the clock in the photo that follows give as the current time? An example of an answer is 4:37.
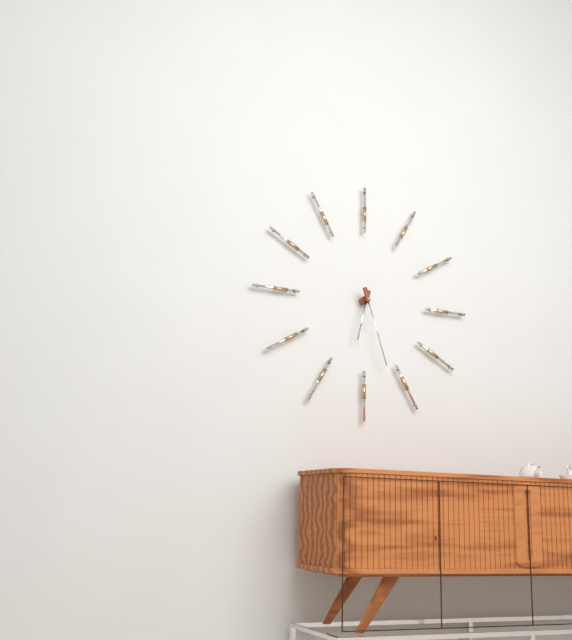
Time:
6:27
